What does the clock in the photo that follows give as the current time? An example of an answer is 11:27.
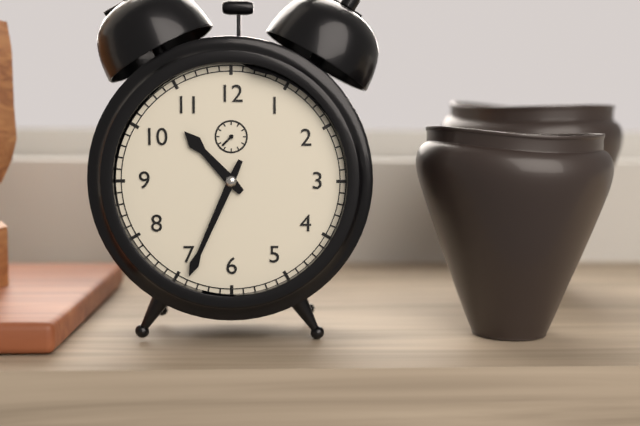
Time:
10:34
